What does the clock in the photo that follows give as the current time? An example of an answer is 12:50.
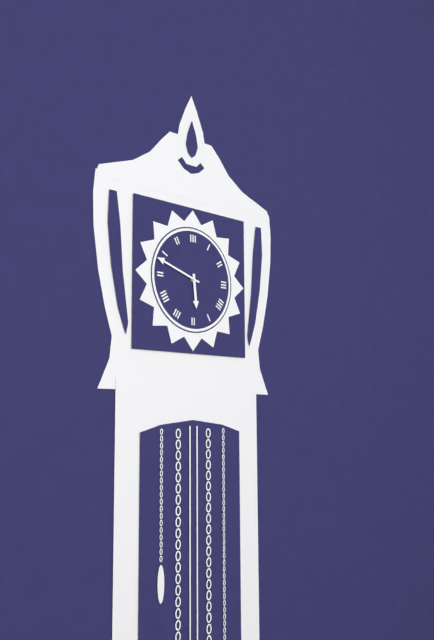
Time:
5:48
